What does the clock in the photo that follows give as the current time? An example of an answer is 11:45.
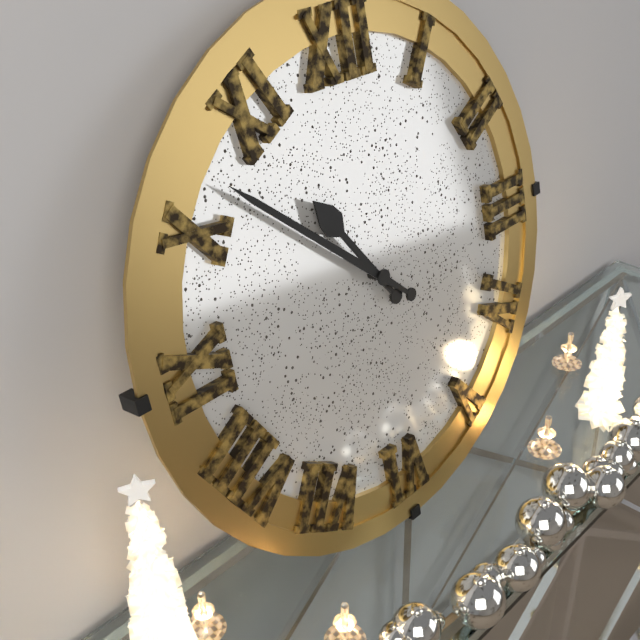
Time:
10:52
